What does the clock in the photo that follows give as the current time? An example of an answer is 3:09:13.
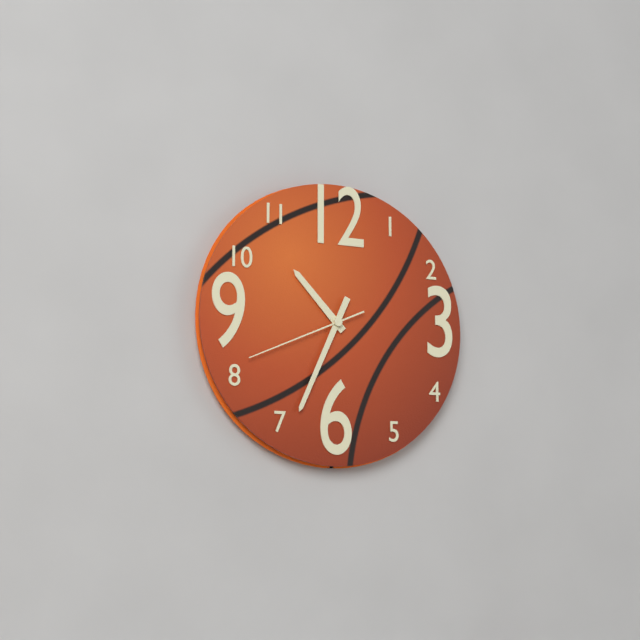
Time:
10:34:41
